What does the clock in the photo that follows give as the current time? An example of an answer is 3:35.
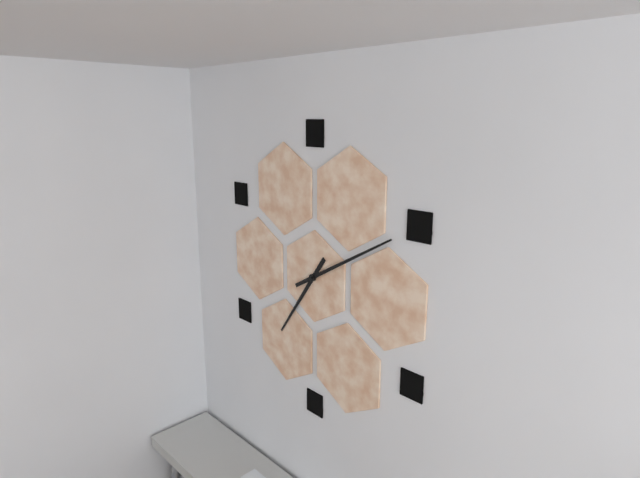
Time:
7:10
